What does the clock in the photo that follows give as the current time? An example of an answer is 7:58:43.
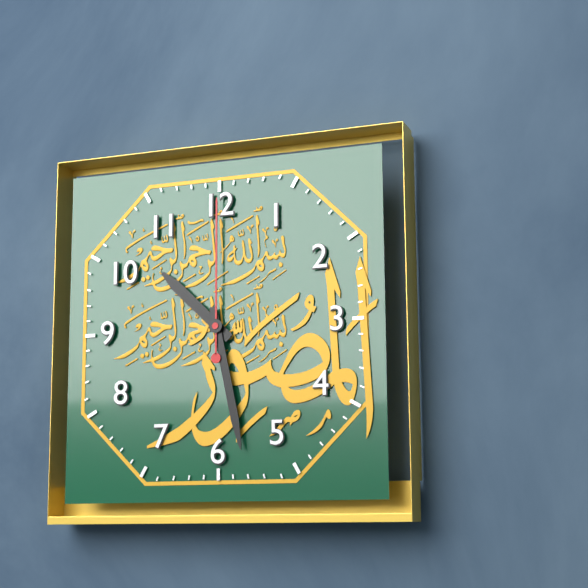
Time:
10:28:00
